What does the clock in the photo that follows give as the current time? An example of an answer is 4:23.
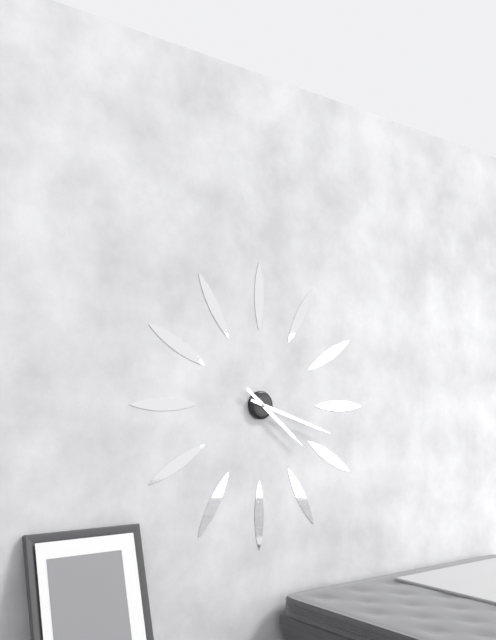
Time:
4:18
